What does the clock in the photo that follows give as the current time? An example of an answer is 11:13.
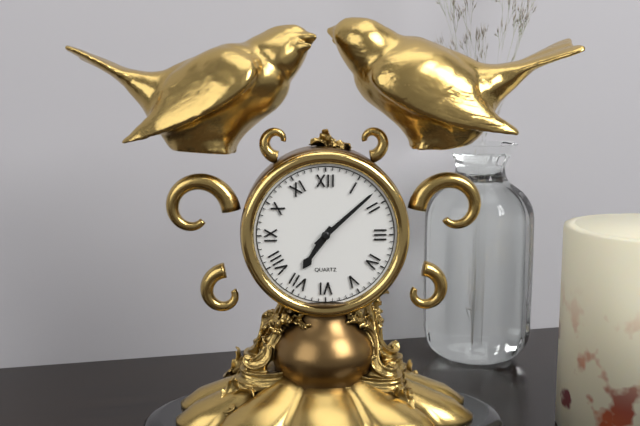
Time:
7:08
